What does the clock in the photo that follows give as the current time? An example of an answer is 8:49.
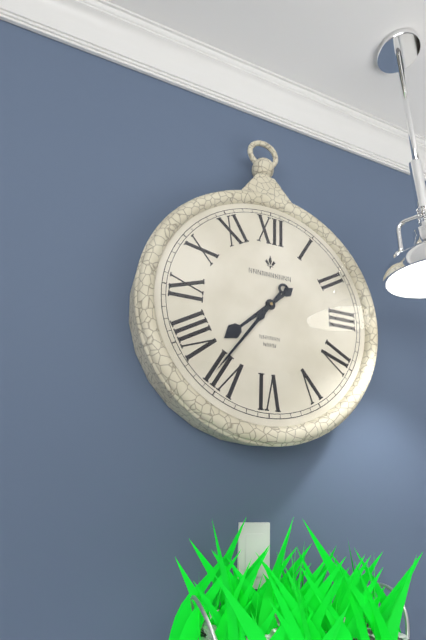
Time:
7:36
